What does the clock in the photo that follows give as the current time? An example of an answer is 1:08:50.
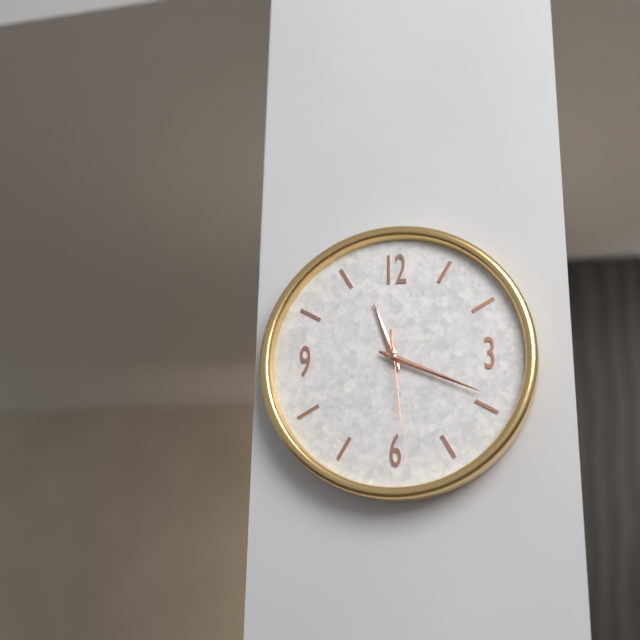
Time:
11:19:29
